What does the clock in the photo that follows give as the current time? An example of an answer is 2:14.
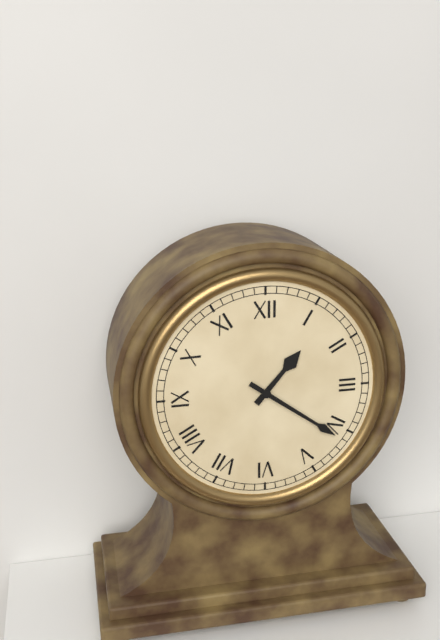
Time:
1:21
